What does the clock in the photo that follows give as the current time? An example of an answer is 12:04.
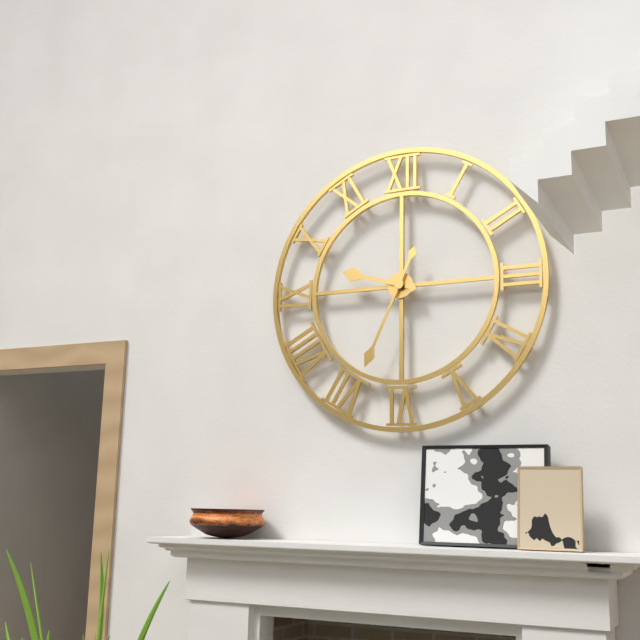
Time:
9:34
